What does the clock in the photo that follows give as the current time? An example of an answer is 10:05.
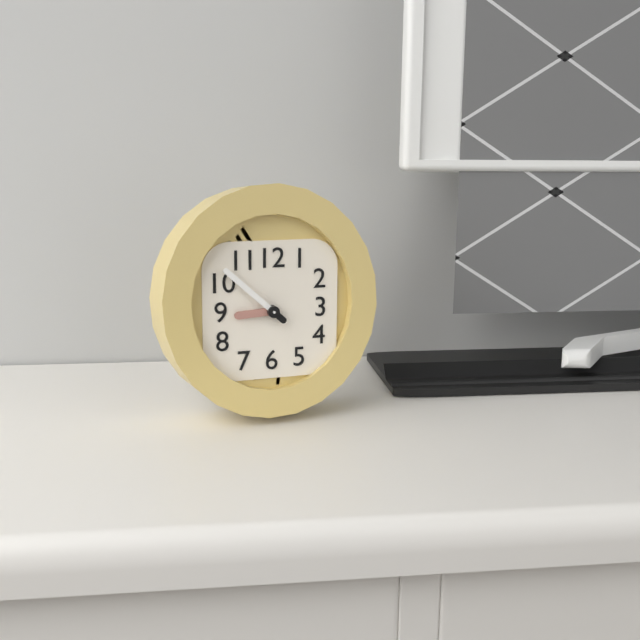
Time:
8:52
